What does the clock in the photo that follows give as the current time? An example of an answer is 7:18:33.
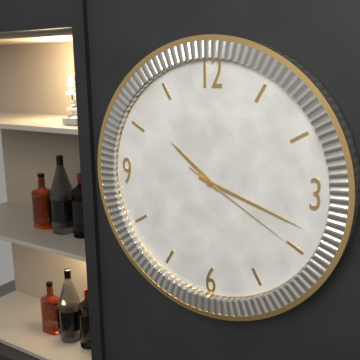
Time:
10:18:20
